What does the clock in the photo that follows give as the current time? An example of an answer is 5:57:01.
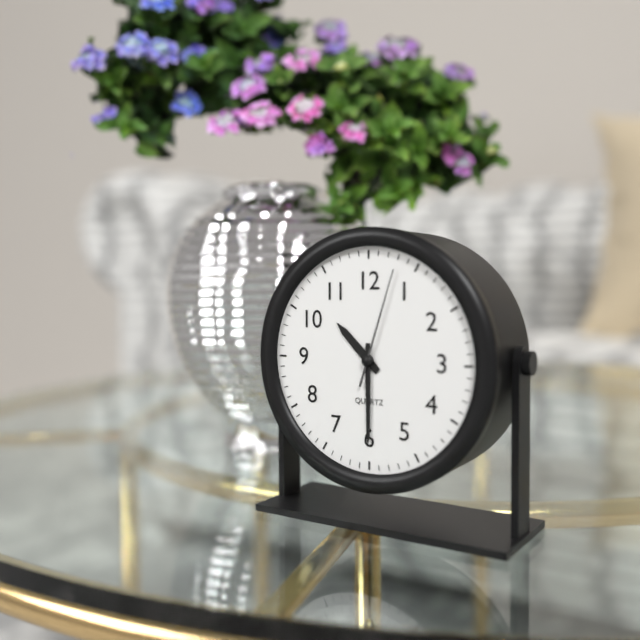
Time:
10:30:03
